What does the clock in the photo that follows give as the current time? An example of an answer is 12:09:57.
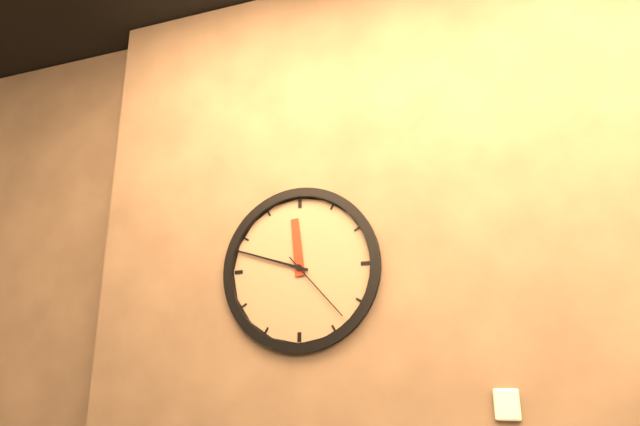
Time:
11:48:23
